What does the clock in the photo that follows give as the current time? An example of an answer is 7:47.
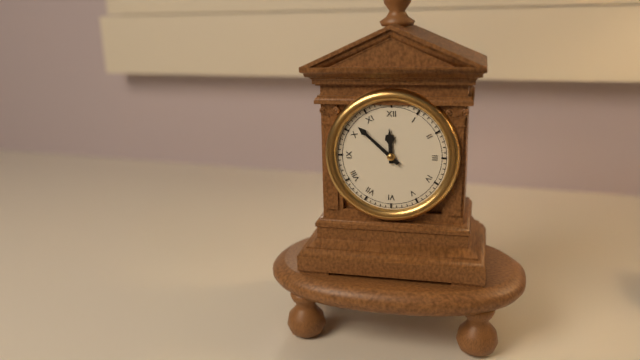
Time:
11:52
